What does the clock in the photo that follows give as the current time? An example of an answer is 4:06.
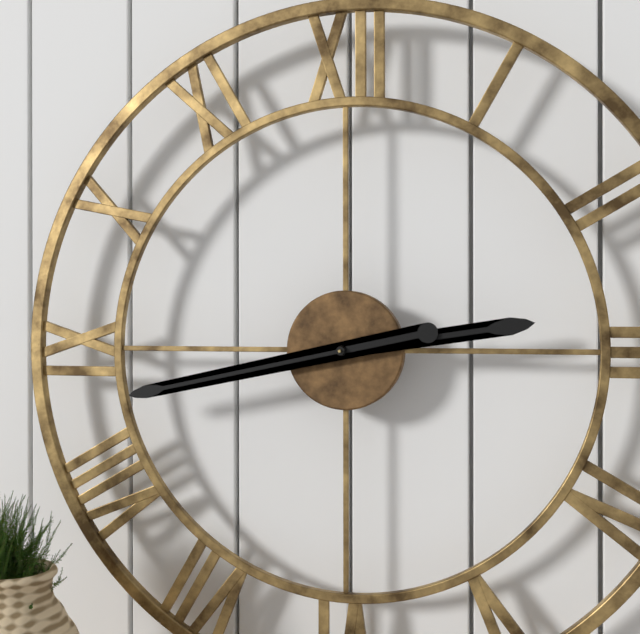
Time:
2:43
